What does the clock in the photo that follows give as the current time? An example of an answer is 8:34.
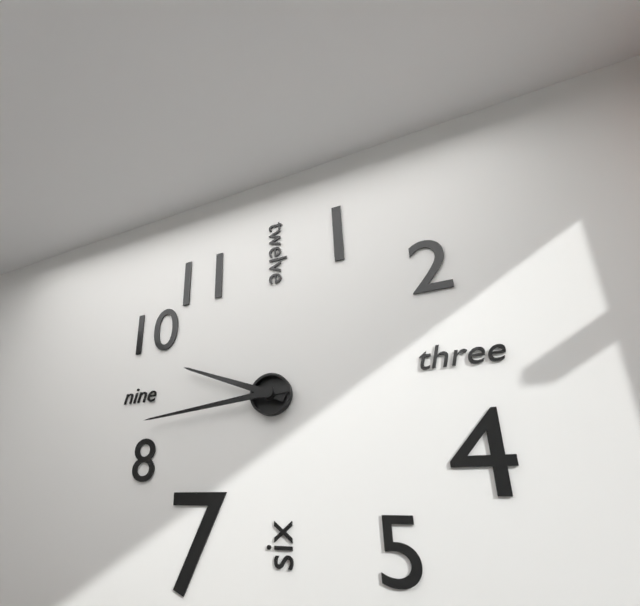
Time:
9:44
